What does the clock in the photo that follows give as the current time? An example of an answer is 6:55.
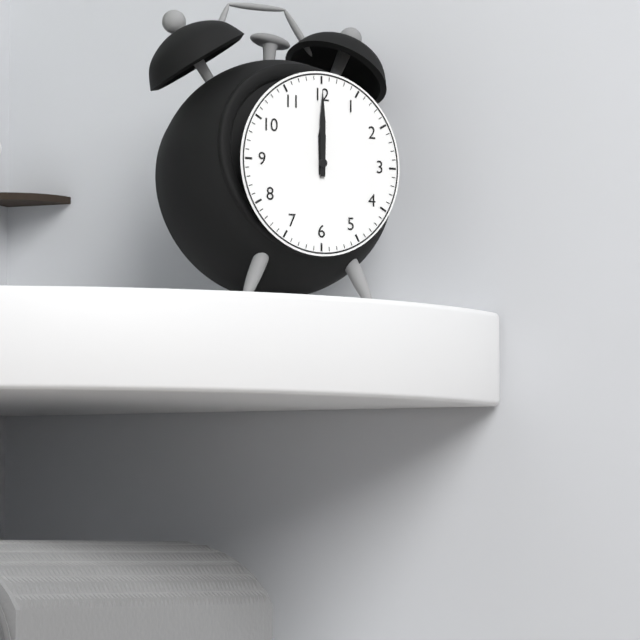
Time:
12:00
